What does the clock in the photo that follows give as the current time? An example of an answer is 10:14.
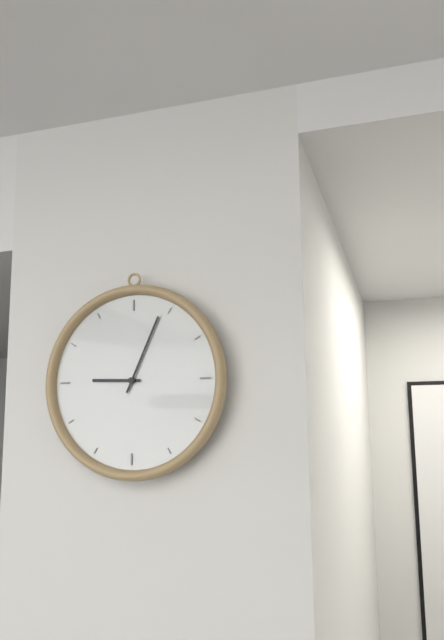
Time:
9:04
